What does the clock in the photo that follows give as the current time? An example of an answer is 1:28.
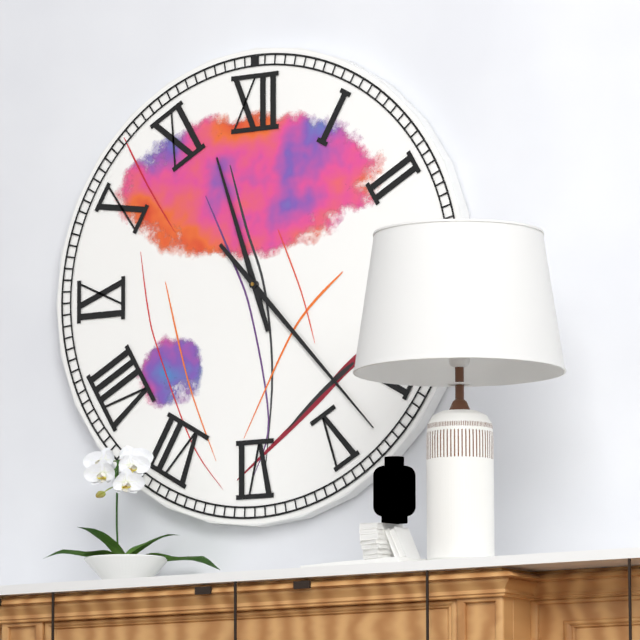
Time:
11:23
